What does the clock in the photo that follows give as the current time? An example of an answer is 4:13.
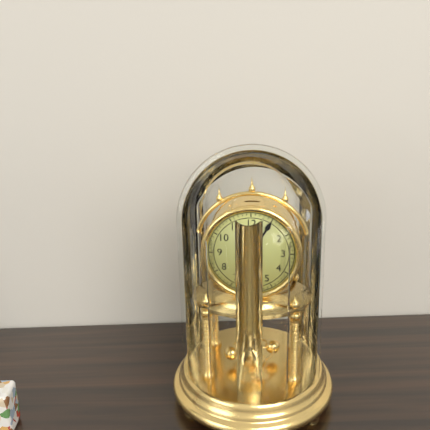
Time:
12:05
